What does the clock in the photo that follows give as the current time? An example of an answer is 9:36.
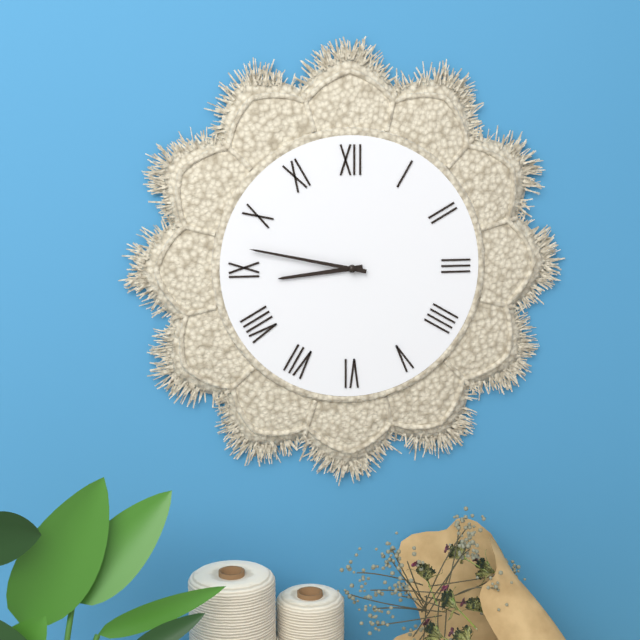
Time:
8:47
